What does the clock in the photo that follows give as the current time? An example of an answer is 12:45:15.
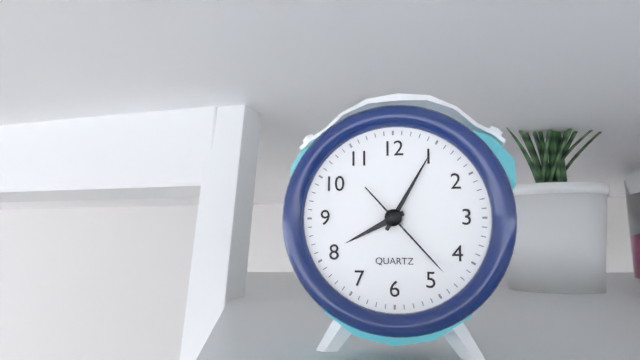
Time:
8:05:23
